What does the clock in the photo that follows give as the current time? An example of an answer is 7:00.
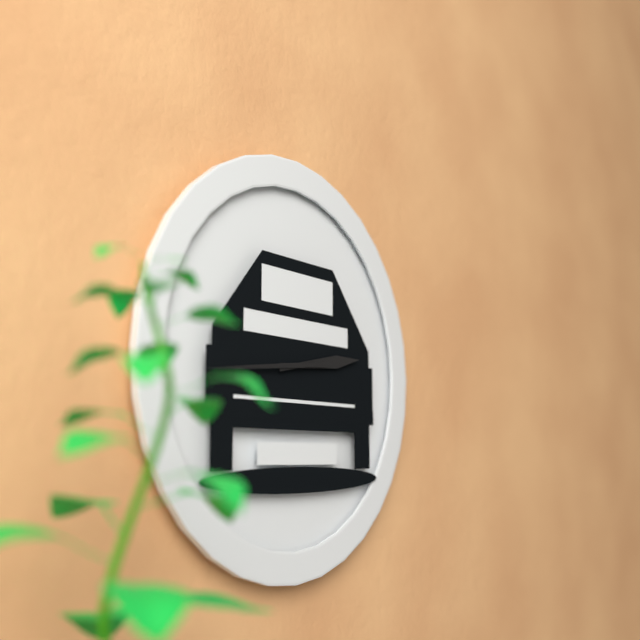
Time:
2:44
